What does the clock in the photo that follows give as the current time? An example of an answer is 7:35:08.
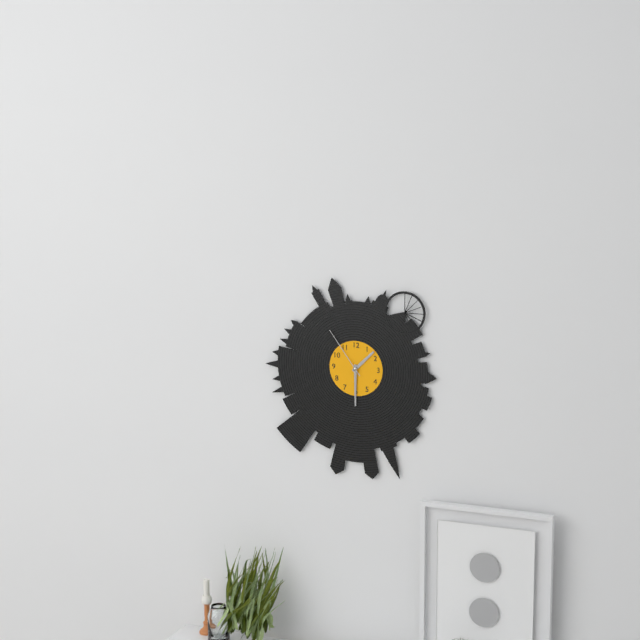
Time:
1:30:54
